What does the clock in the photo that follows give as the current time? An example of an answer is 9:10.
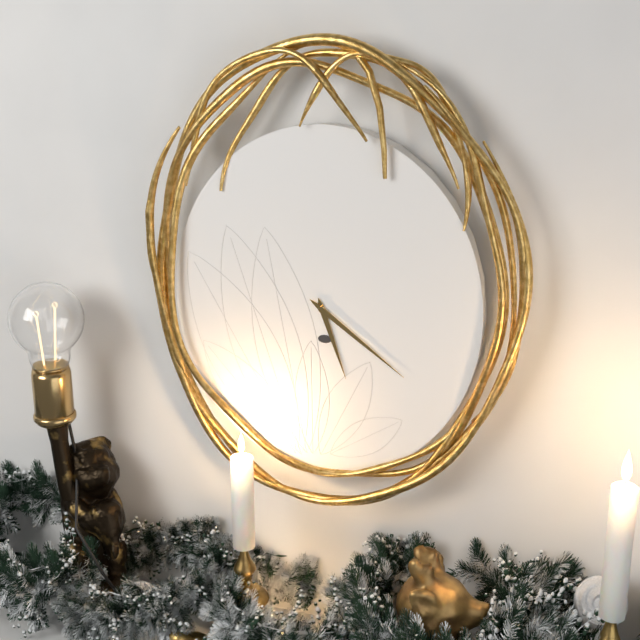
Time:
5:21
